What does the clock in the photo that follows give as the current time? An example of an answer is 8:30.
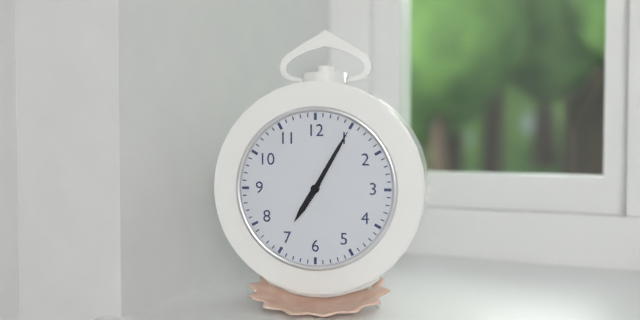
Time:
7:05
